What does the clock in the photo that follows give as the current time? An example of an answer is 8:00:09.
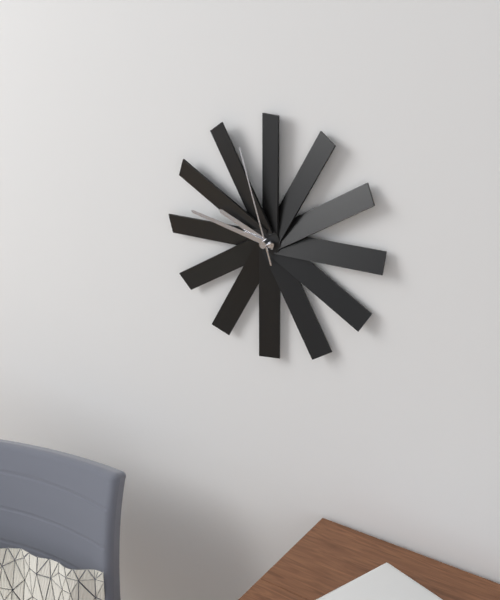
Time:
9:47:57
